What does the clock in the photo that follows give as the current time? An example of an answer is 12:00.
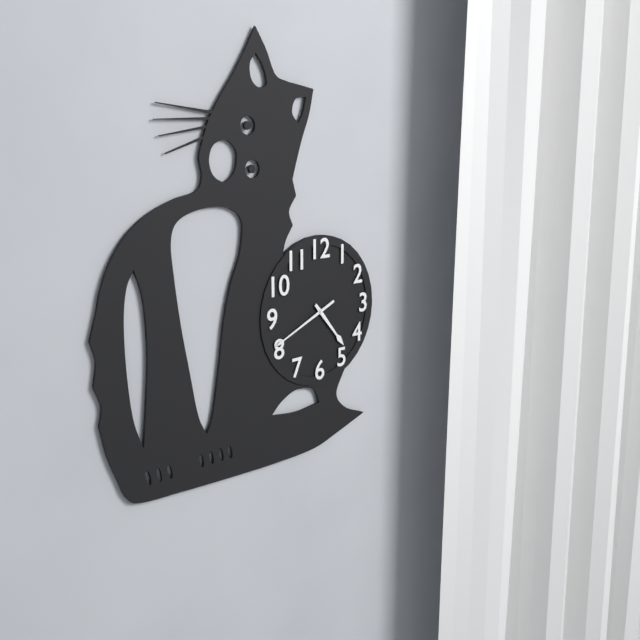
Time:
4:41
